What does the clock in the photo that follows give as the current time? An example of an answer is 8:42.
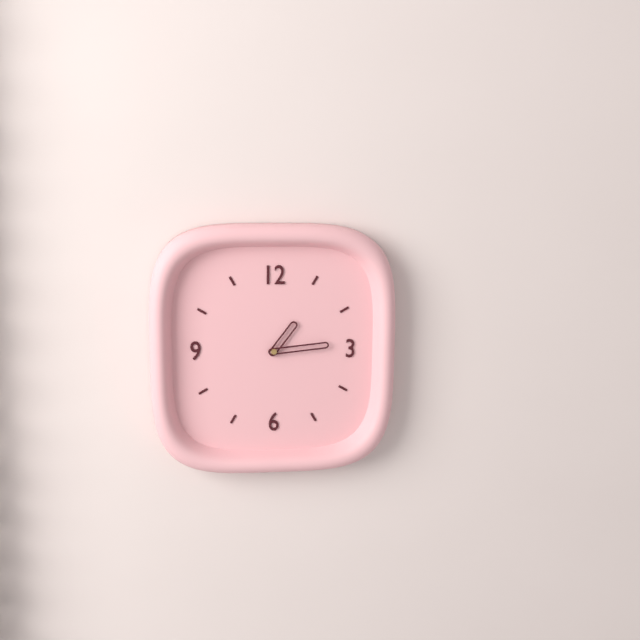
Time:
1:14
